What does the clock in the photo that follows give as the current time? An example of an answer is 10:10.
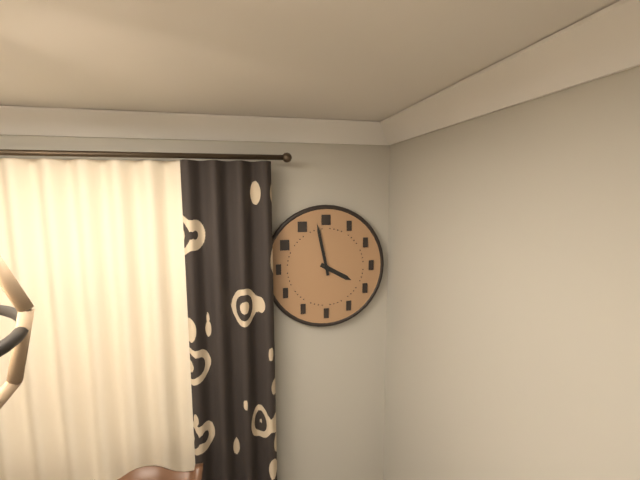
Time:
3:58
